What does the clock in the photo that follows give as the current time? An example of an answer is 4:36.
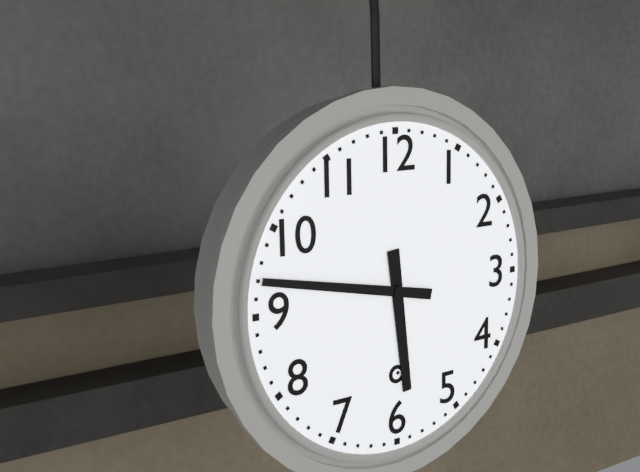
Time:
5:47
